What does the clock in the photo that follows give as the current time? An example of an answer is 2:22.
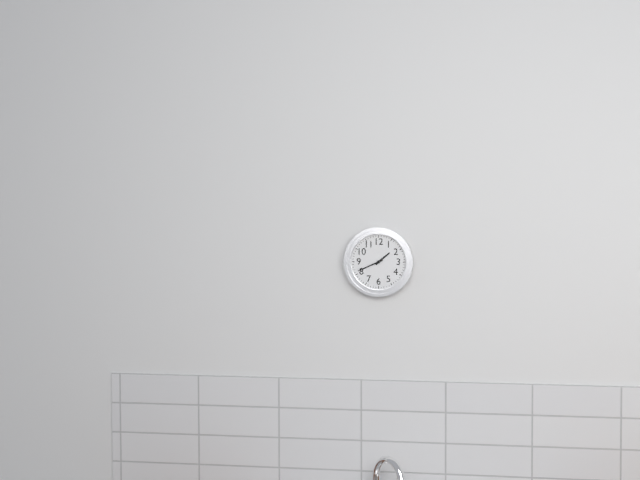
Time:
1:41
